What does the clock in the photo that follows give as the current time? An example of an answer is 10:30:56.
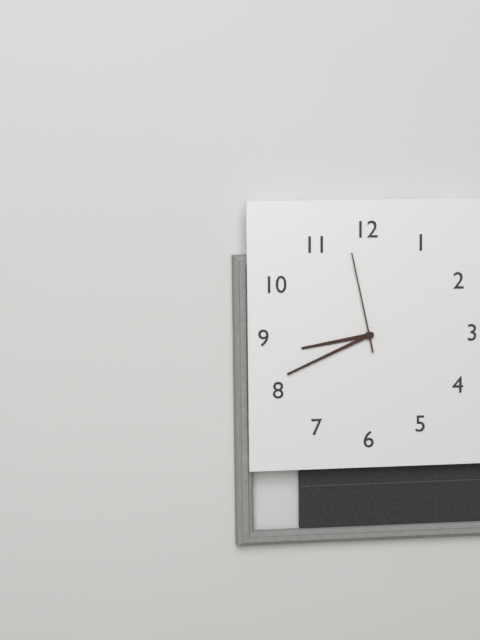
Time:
8:41:58
